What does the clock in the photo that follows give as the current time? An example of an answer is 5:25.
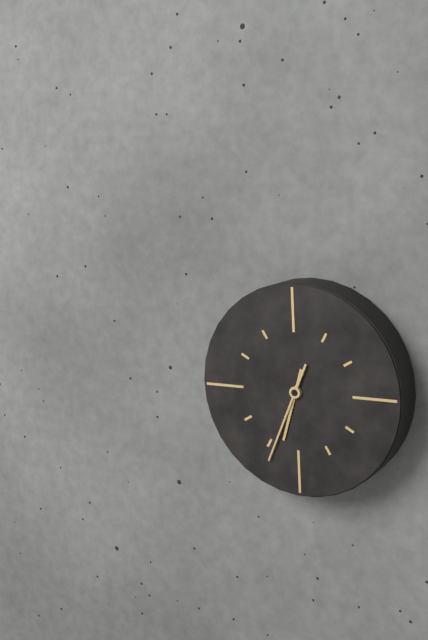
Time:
6:34
